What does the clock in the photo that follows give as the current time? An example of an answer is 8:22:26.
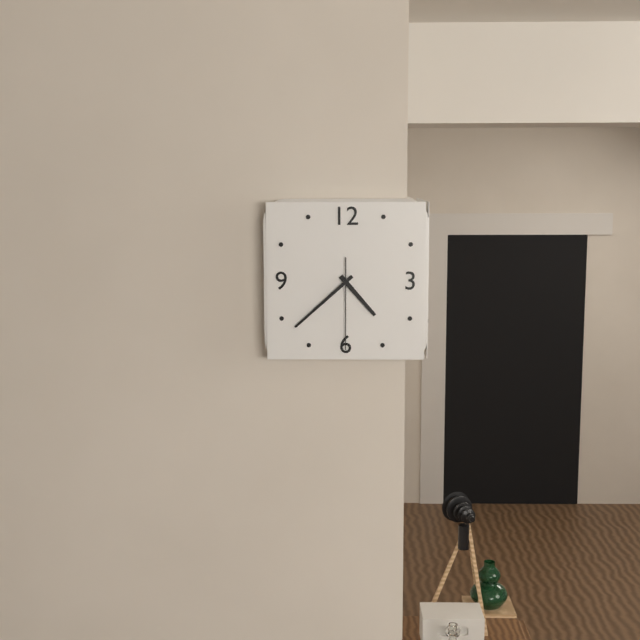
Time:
4:38:30
